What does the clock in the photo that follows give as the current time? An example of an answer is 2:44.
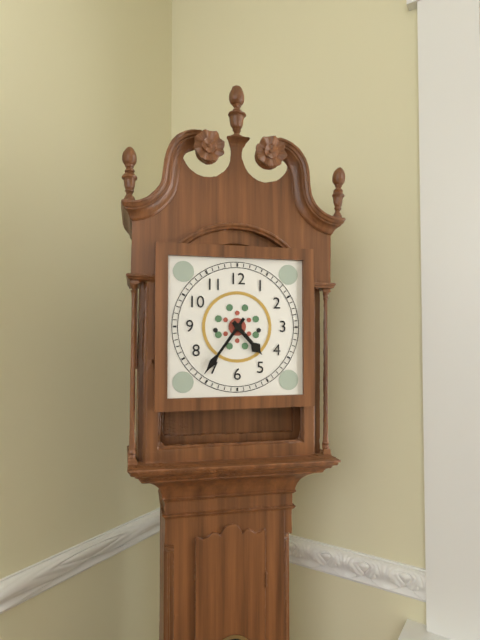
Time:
4:36
